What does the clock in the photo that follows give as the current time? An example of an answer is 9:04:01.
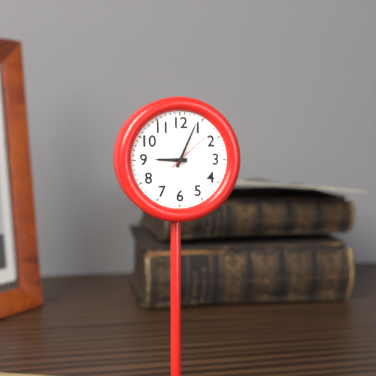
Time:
9:04:08
